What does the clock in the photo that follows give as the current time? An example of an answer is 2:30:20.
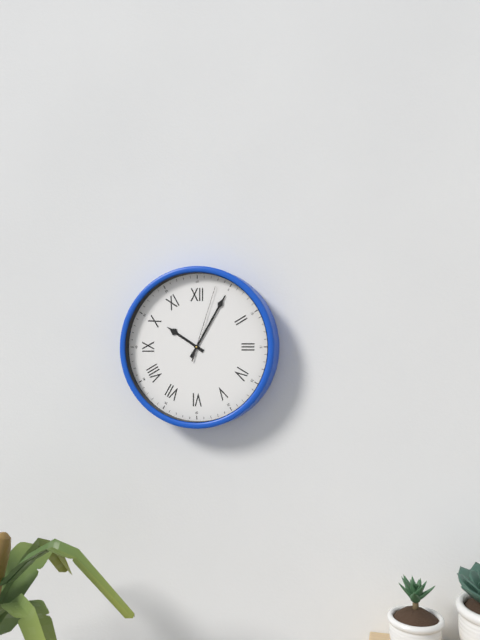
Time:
10:05:03
